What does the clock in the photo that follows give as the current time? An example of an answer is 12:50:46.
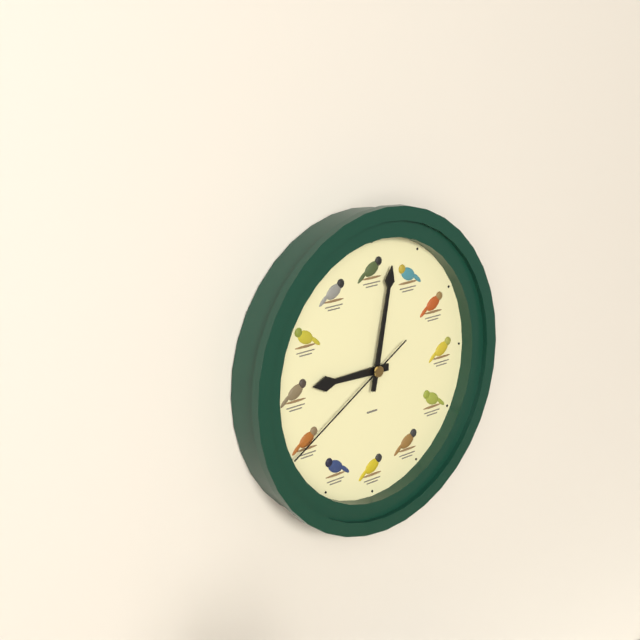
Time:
9:02:40
